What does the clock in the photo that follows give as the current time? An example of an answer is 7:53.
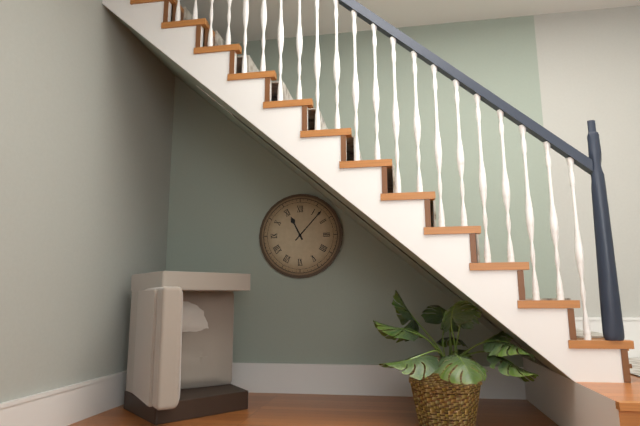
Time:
11:07
